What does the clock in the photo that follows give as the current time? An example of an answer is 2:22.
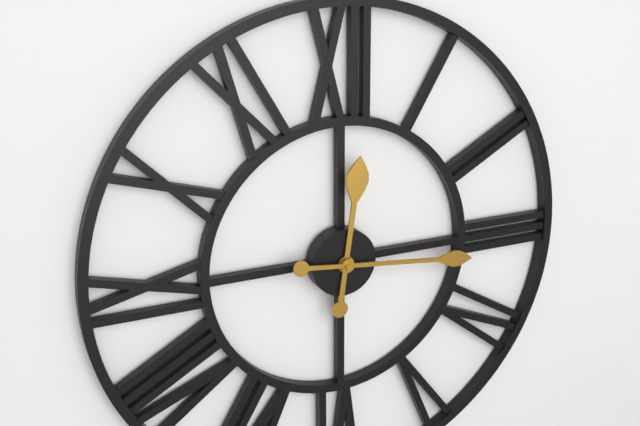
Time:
12:16
